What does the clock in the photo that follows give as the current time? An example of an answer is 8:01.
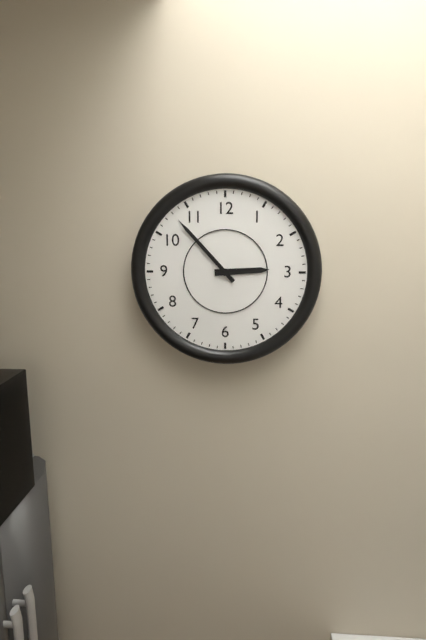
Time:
2:53
